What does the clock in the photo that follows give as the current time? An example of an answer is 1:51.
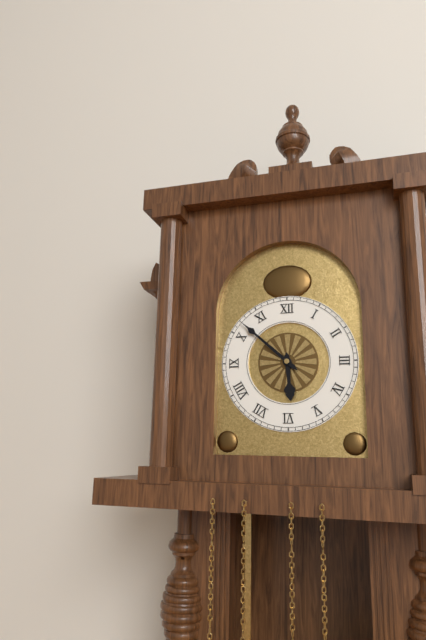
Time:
5:52
